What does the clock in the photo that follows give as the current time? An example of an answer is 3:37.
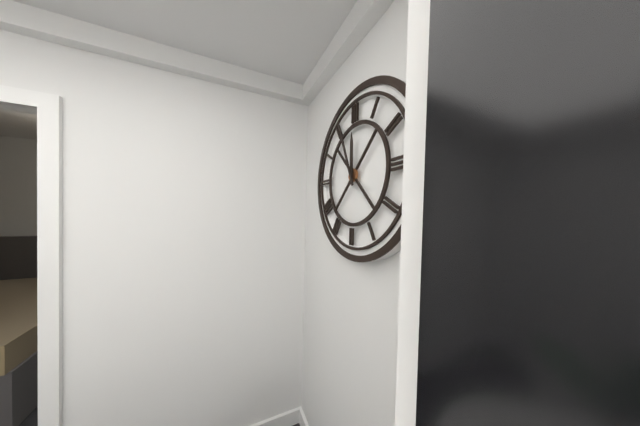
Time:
11:56
